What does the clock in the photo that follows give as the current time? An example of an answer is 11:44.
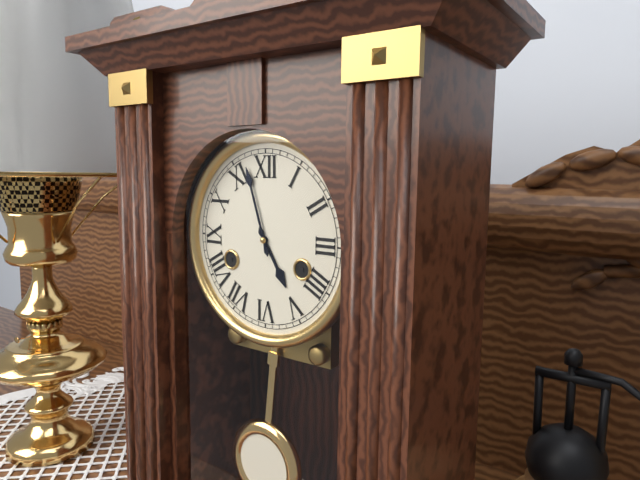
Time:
4:57
